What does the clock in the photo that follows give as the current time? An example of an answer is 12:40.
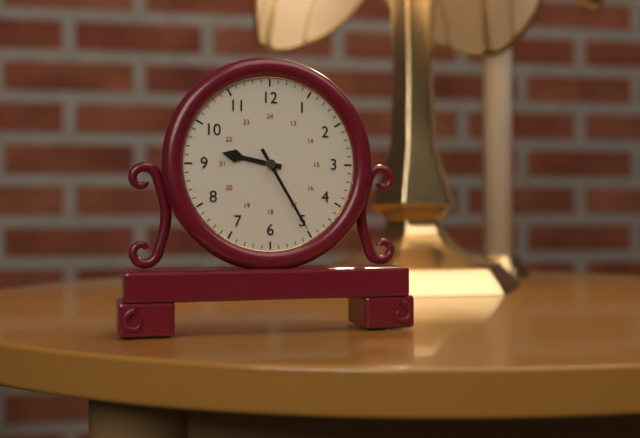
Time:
9:25
